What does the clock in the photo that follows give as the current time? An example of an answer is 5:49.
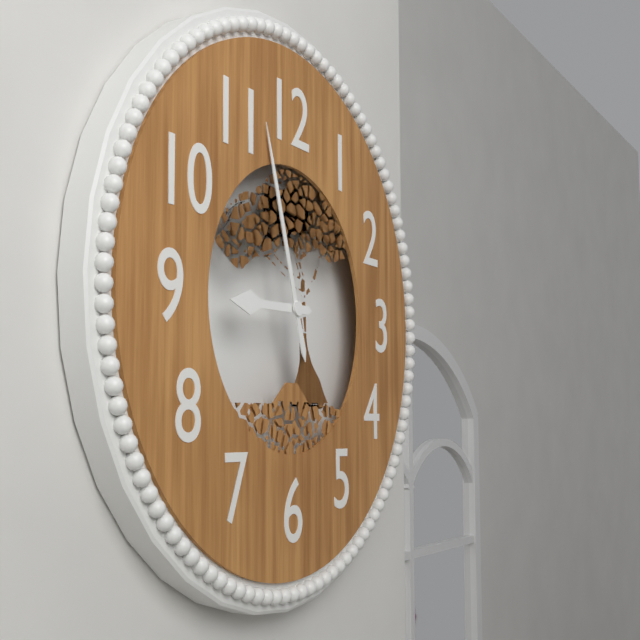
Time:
8:57
